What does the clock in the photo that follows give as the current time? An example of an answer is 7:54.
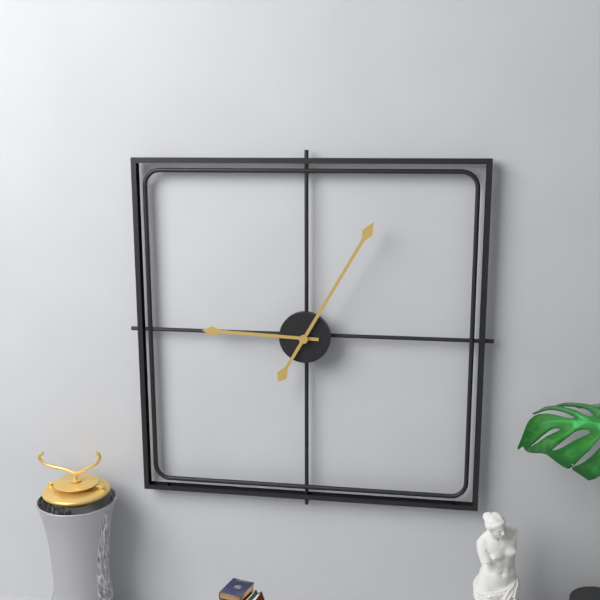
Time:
9:05
